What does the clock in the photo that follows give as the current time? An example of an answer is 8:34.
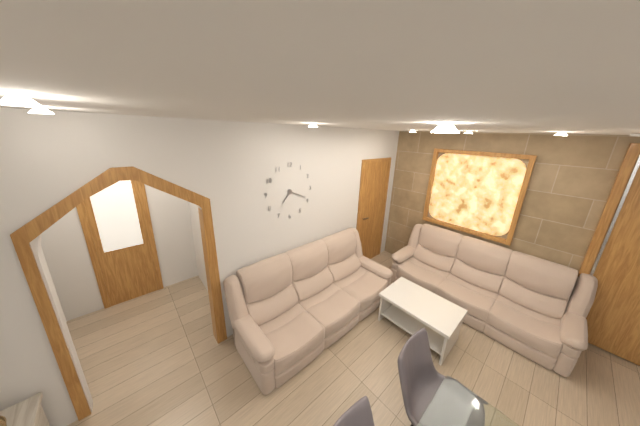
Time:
7:19
